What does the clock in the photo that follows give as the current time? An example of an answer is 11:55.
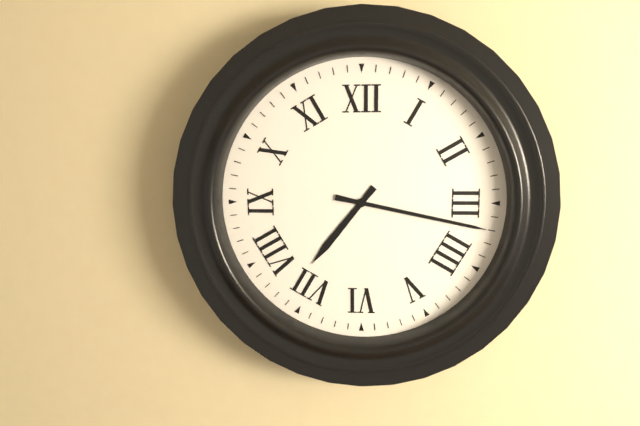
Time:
7:17
